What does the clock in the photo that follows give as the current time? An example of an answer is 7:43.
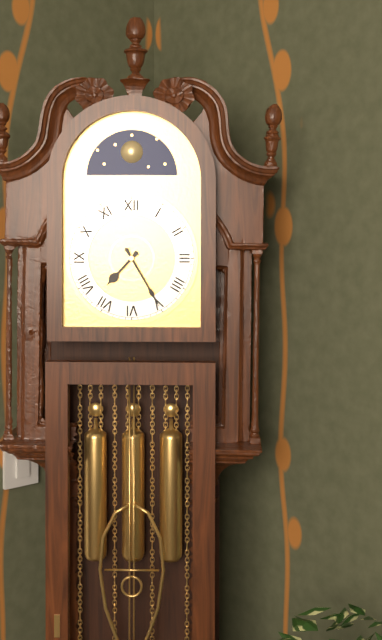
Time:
7:25
